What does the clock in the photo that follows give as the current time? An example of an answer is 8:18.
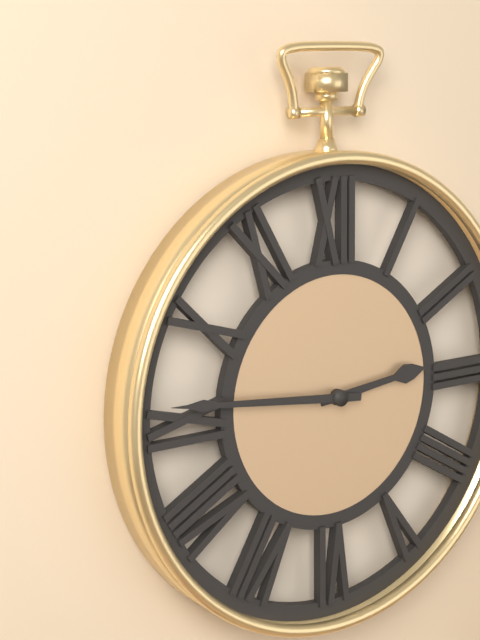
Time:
2:46
